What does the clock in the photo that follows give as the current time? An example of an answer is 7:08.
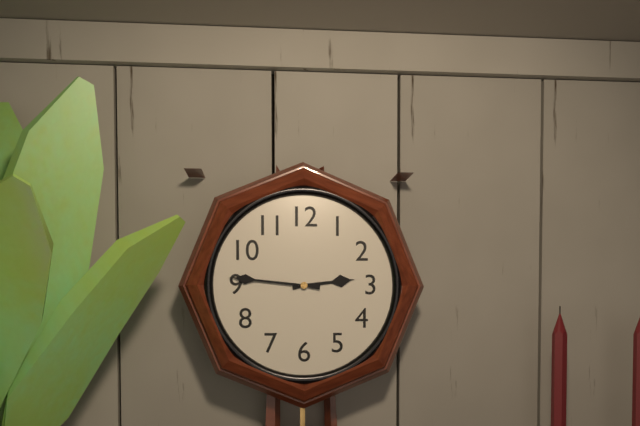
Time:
2:46
